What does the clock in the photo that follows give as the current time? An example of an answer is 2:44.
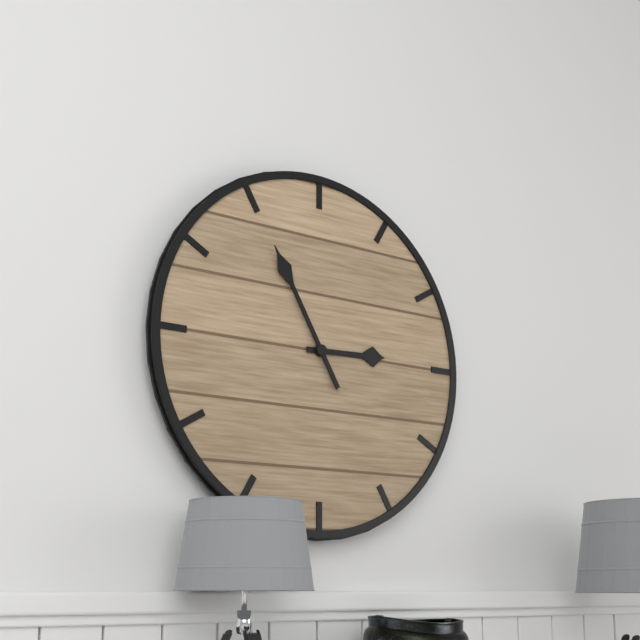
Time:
2:55
